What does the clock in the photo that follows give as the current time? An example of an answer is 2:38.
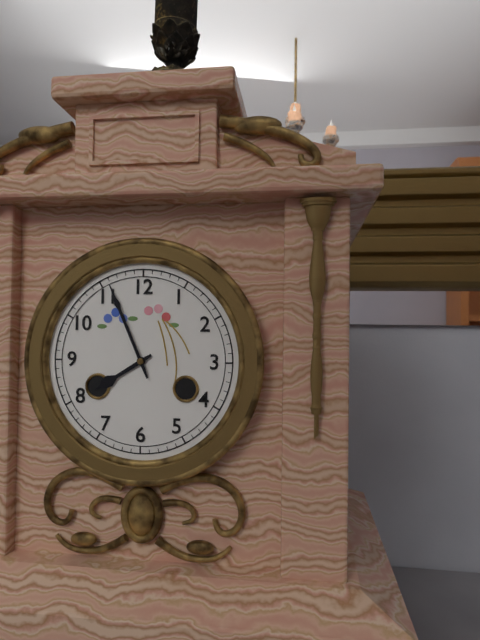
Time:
7:56
